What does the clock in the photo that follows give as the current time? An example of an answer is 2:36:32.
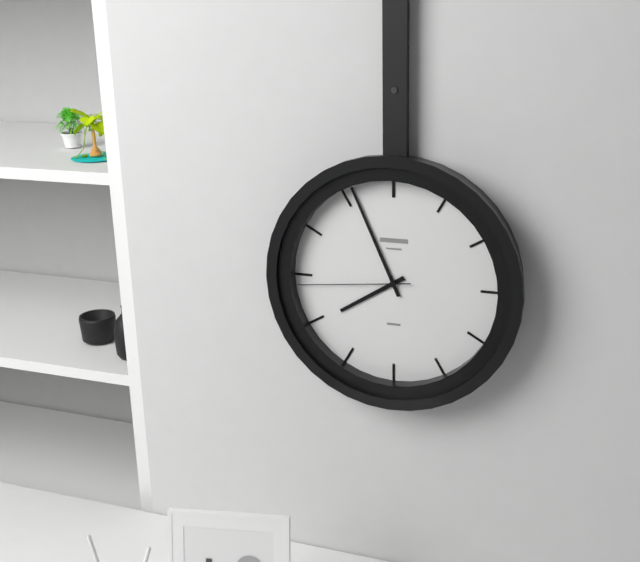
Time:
7:56:44
